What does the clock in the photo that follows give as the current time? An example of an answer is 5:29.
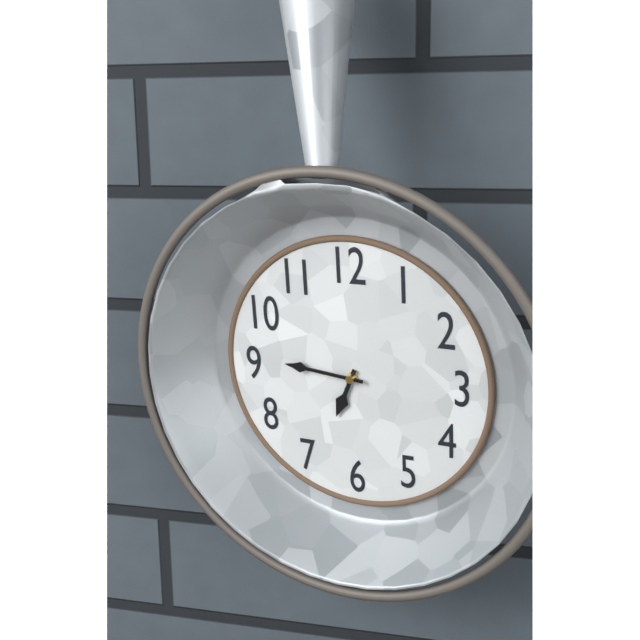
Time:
6:46
